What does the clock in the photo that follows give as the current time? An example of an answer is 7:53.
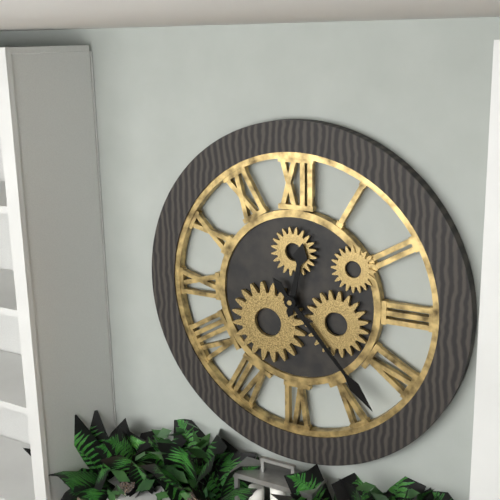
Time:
12:23
